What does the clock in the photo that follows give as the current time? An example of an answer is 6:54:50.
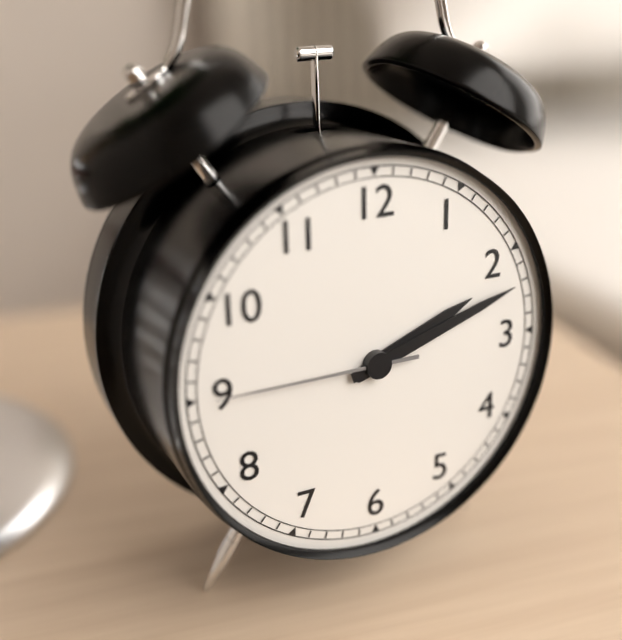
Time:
2:12:45
